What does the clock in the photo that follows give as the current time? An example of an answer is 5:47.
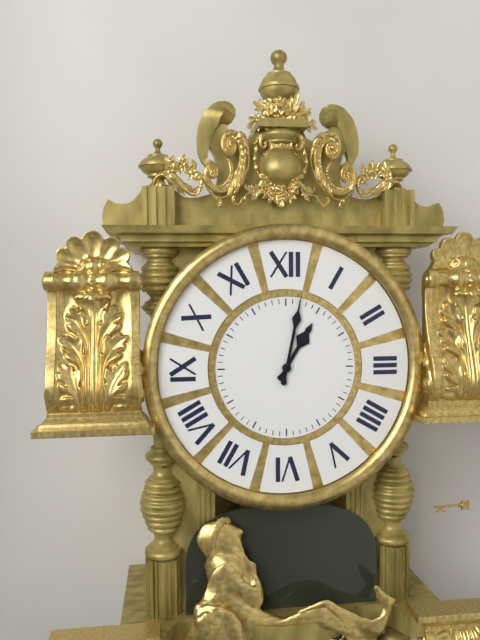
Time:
1:02
